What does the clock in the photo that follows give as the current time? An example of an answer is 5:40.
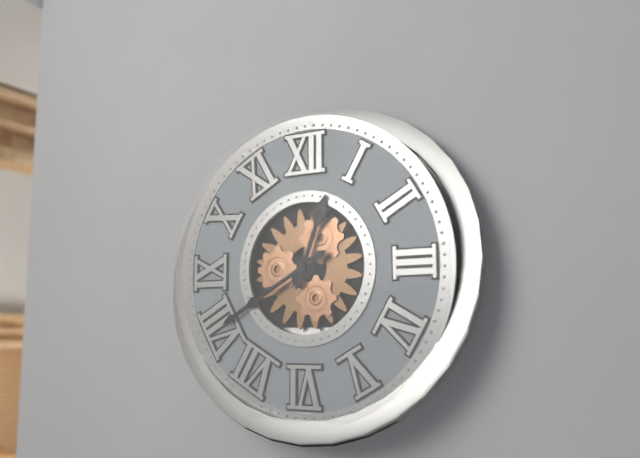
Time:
12:40
